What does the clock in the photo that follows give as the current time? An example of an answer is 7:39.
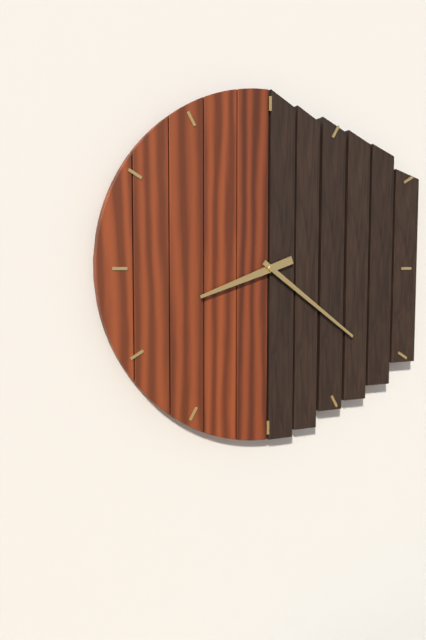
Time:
8:21
